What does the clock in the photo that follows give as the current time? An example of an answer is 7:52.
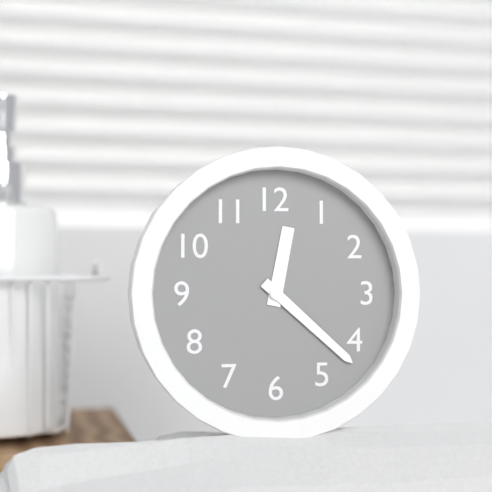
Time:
12:22
